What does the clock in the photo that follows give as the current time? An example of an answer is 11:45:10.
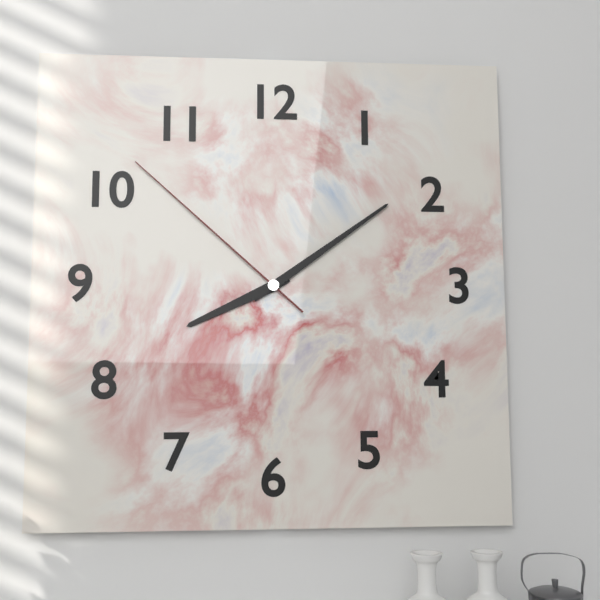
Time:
8:09:52
